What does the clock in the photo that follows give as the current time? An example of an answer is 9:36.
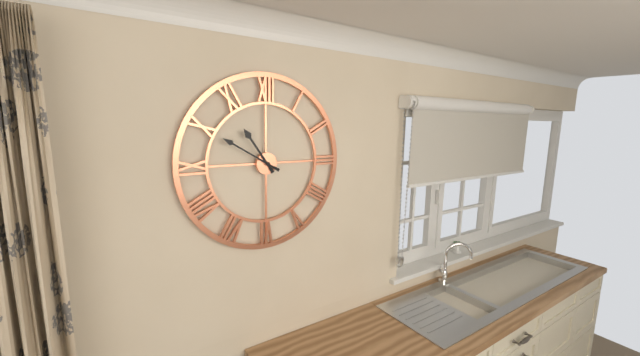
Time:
10:50
